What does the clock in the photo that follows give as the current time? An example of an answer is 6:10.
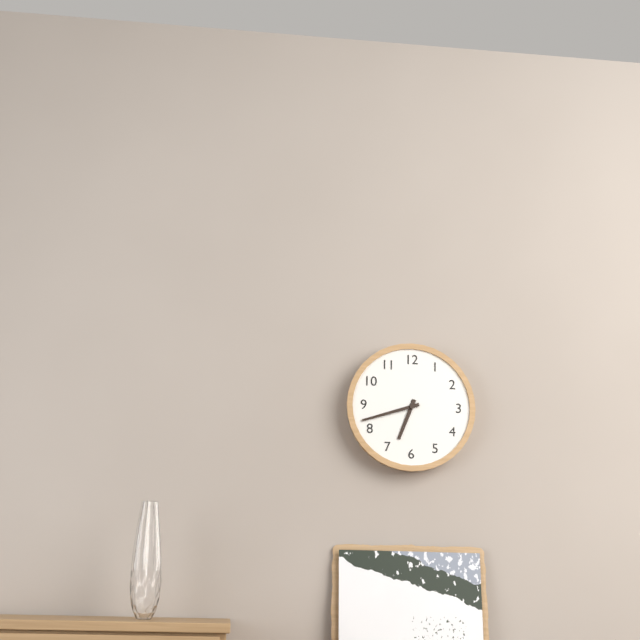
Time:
6:42
